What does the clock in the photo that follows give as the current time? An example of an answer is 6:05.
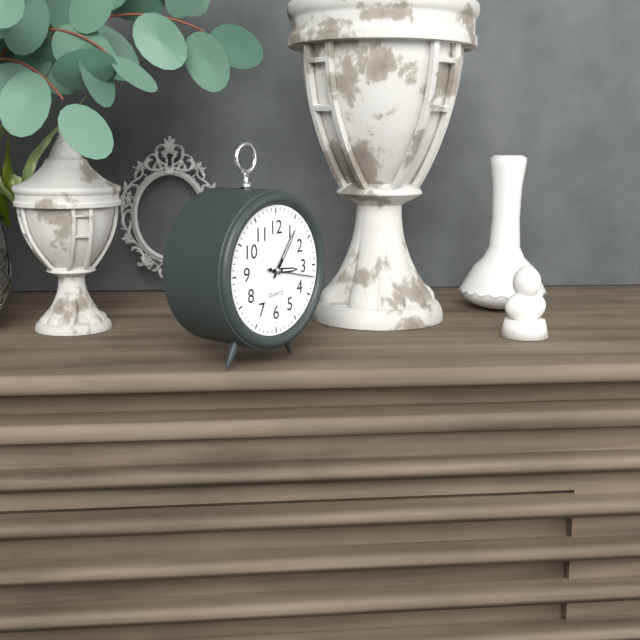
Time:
3:06
